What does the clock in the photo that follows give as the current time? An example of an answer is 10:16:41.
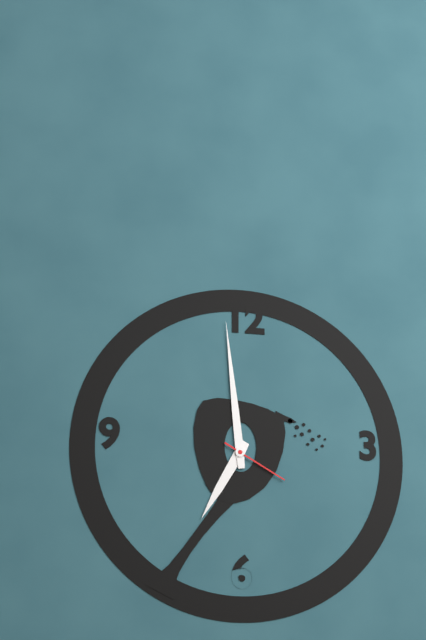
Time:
6:59:20
